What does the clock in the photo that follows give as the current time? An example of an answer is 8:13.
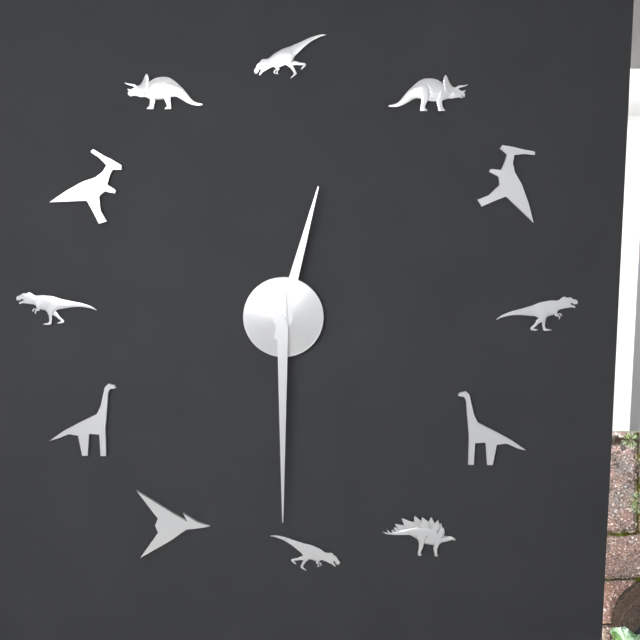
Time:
12:30
